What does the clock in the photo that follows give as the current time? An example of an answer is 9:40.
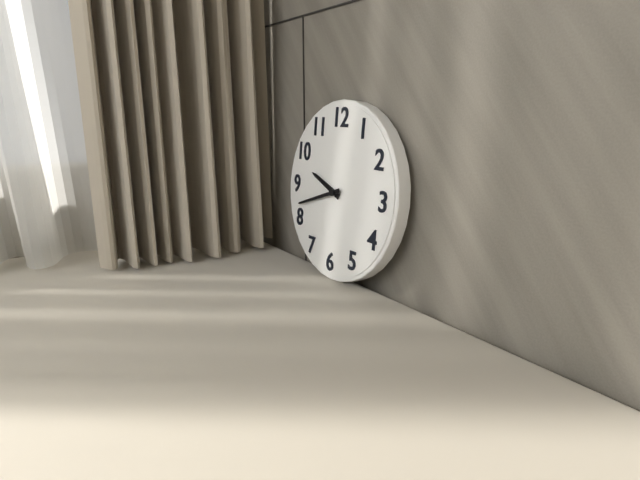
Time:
9:42
